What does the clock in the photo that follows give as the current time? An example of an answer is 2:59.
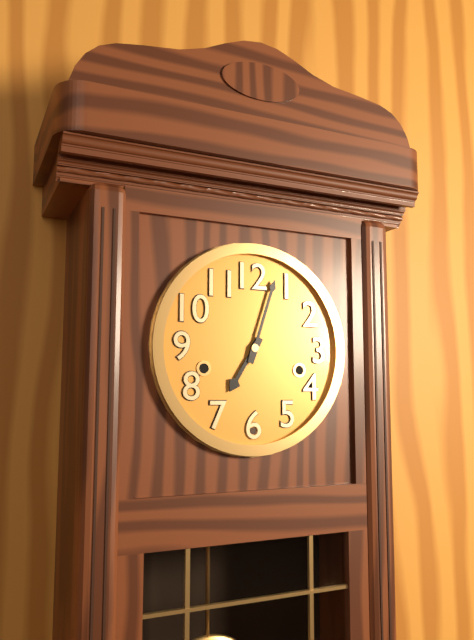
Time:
7:03
